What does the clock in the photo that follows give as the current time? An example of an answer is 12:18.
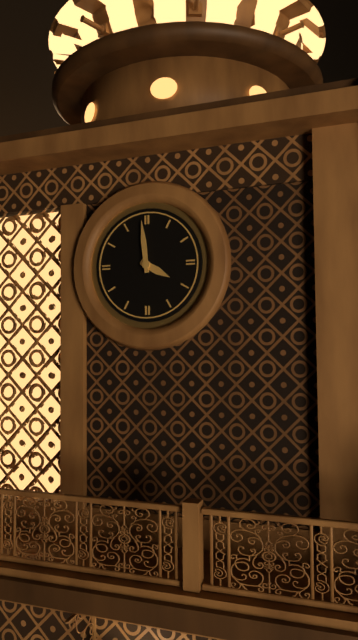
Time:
3:59
